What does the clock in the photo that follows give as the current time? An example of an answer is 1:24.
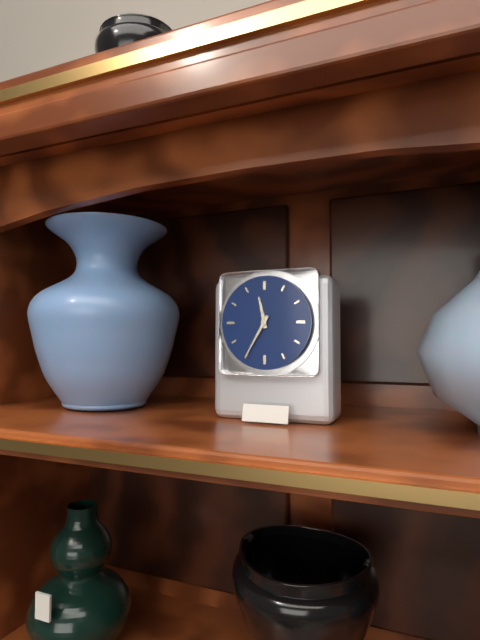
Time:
11:35
